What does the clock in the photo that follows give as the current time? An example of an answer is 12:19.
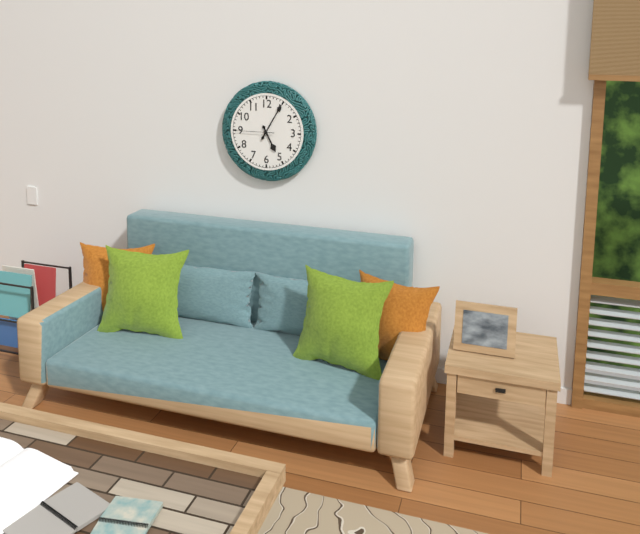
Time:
5:05
